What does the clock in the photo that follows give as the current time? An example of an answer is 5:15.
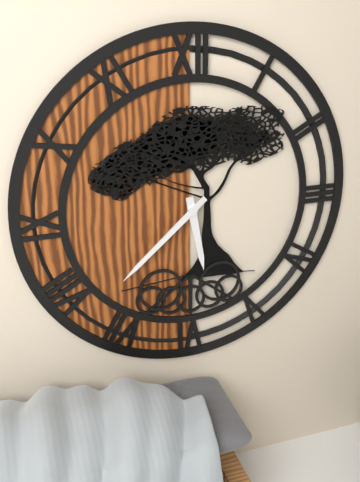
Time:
5:38
